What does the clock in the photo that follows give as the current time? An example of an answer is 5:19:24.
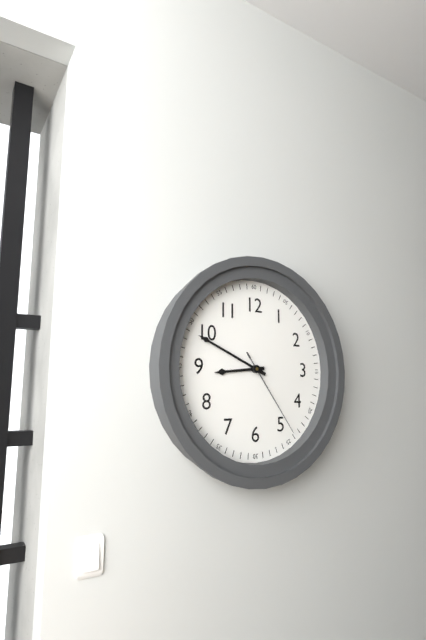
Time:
8:49:24
